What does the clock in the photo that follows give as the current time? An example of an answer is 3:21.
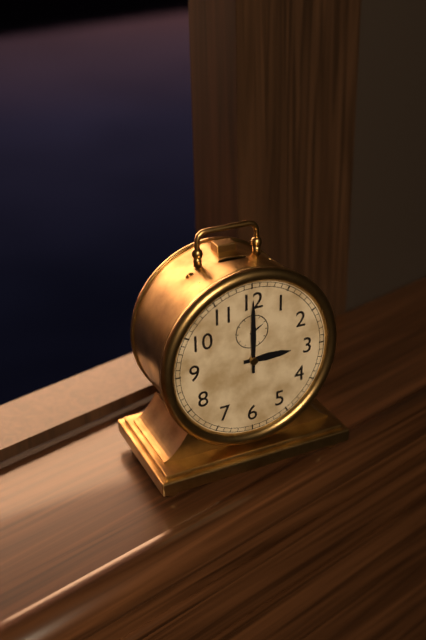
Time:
3:00
